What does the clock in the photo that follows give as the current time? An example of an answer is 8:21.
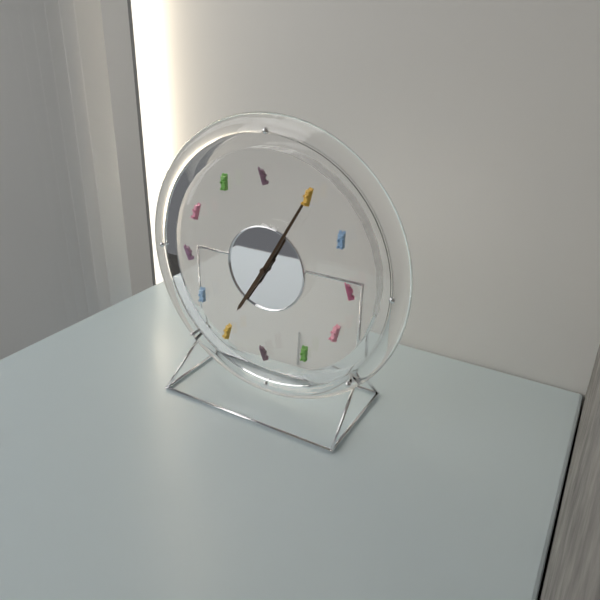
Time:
7:05
